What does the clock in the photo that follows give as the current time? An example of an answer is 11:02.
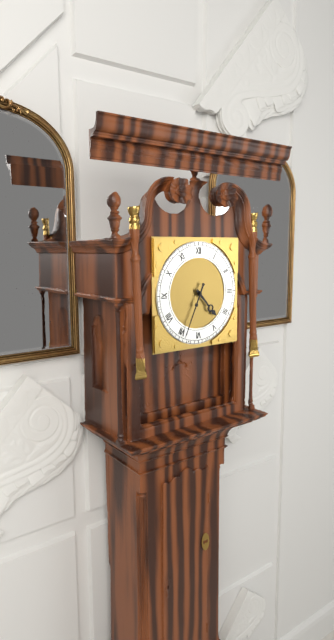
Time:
4:34
